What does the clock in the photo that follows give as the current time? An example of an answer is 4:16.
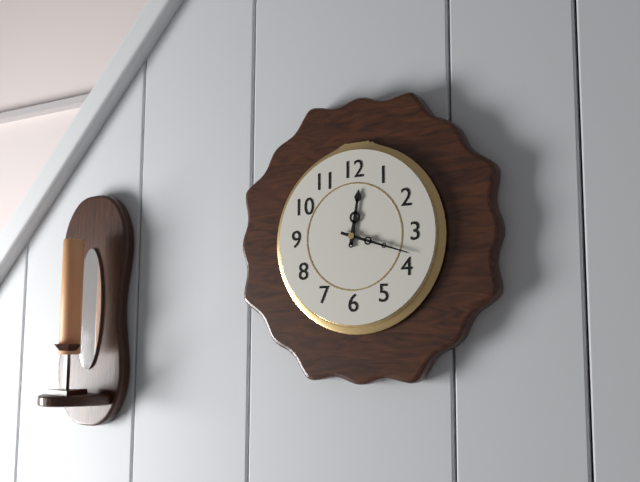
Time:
12:18
